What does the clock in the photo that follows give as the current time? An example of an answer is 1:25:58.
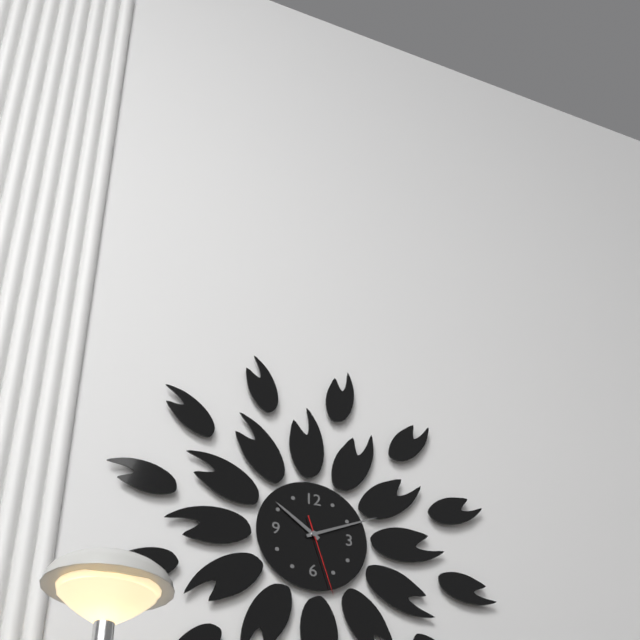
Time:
10:11:27
